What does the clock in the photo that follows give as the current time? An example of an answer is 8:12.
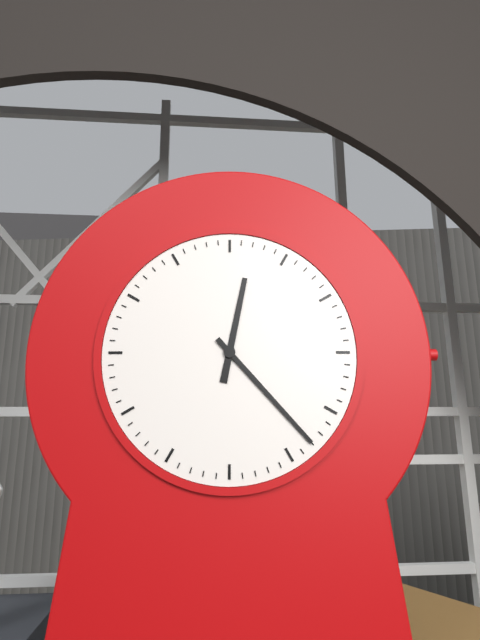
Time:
12:23
